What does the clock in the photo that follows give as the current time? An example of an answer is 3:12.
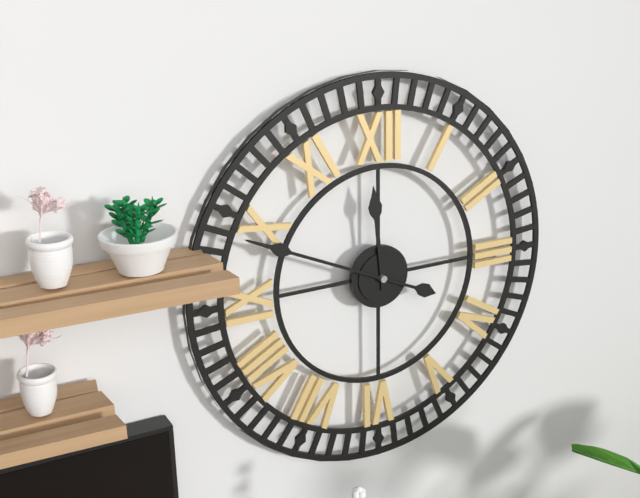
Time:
11:49
